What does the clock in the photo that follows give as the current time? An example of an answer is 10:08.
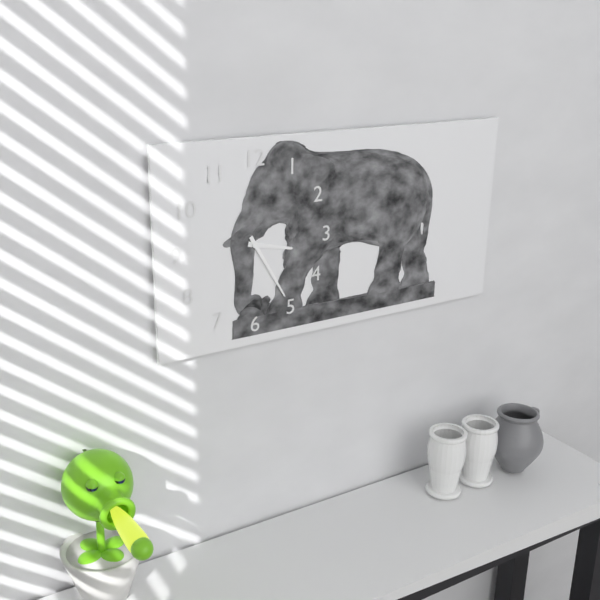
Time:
3:25
